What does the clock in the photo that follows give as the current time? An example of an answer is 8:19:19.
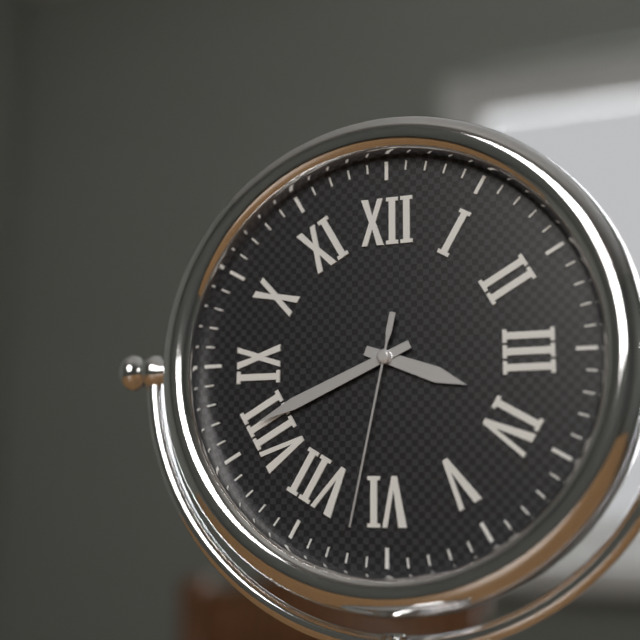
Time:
3:41:32
